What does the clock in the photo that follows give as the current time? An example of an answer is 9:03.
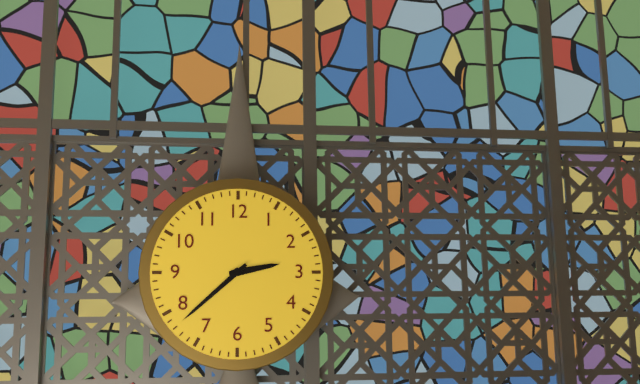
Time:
2:38
